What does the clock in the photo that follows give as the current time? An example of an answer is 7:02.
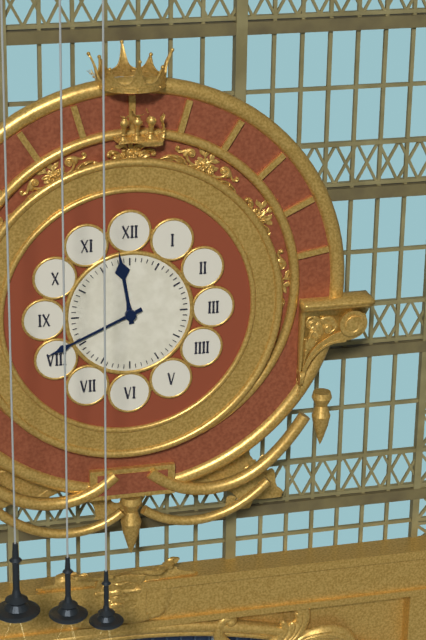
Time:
11:41
